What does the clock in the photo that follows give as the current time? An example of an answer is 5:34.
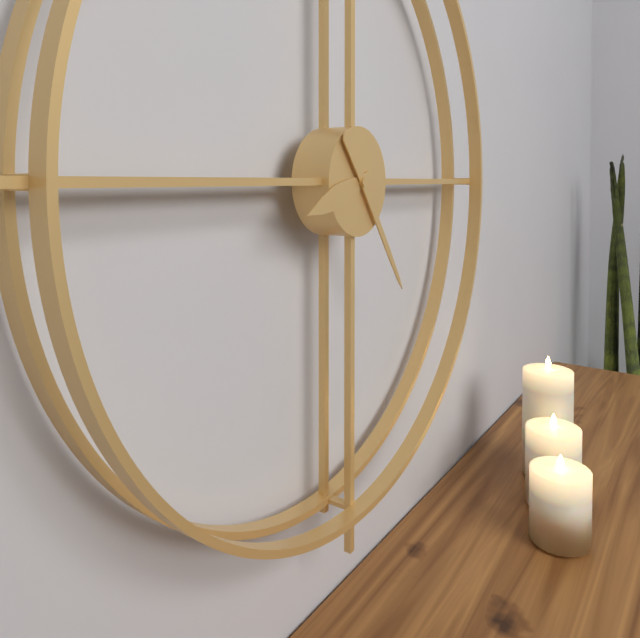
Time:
8:24
